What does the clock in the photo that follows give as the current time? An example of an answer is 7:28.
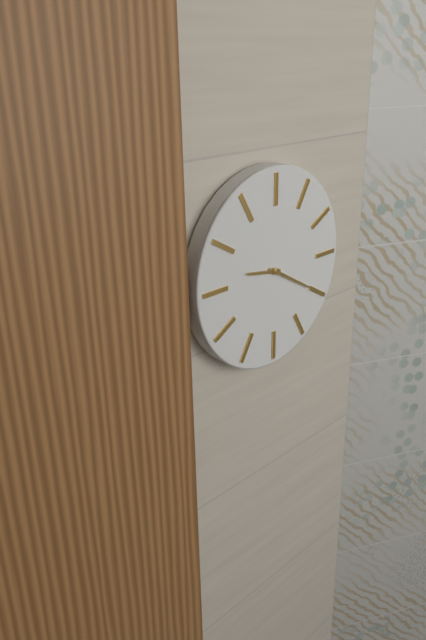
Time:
9:20
